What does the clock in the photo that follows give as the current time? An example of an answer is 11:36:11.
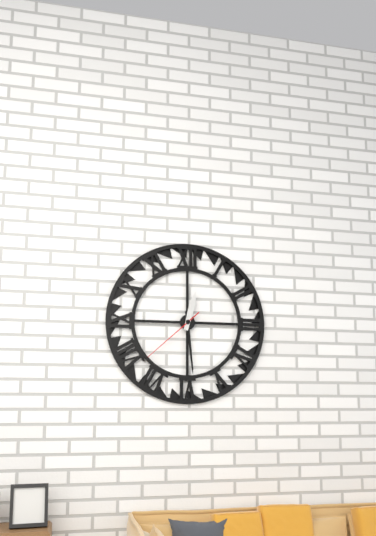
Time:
12:29:38
